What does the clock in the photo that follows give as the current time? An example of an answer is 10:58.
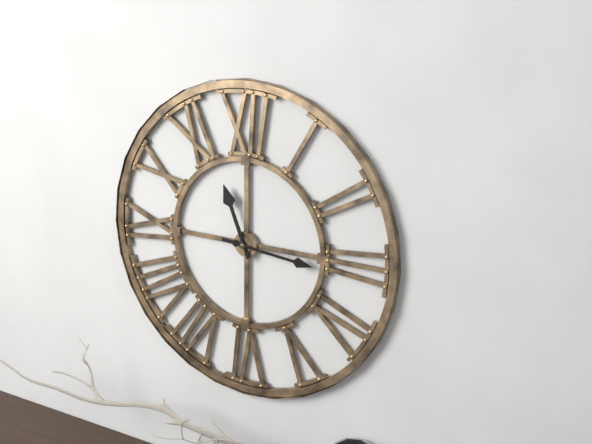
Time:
11:16
